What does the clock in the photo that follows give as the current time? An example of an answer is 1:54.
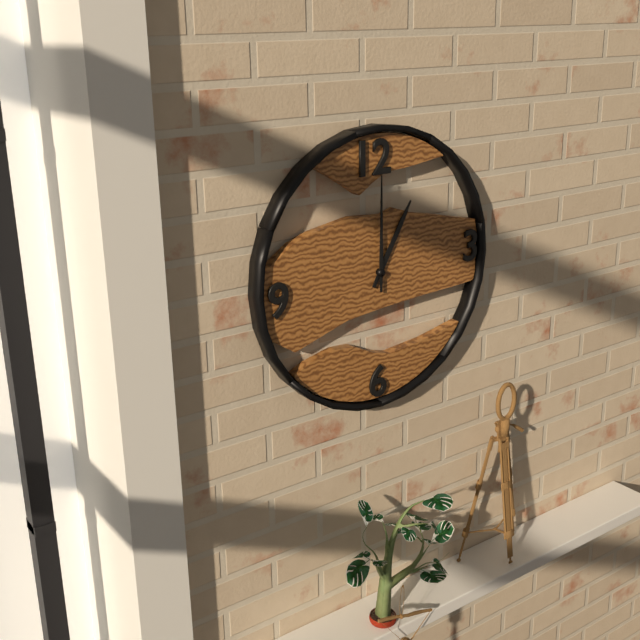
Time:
1:00
